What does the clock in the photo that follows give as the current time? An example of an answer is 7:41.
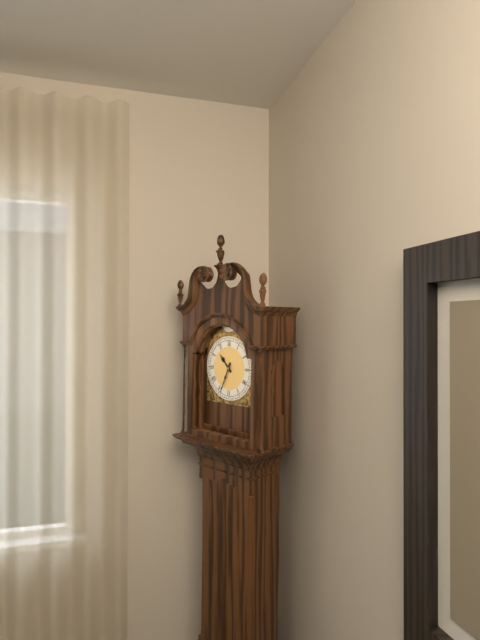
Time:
10:34
